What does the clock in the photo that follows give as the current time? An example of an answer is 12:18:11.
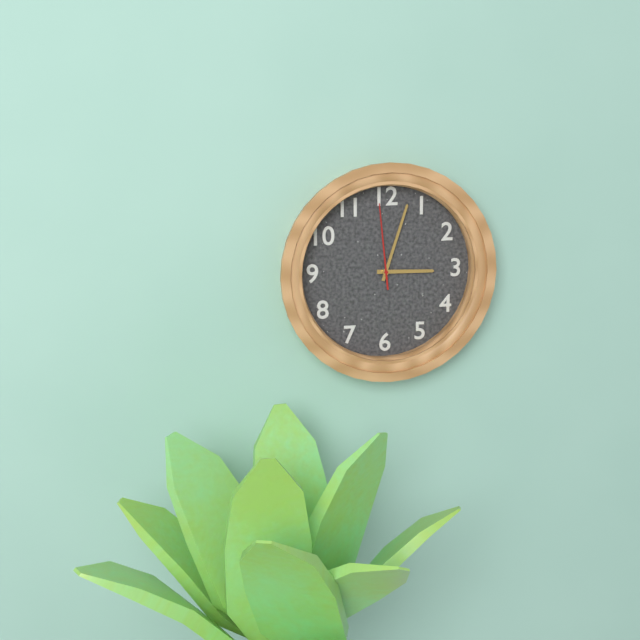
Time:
3:03:59
